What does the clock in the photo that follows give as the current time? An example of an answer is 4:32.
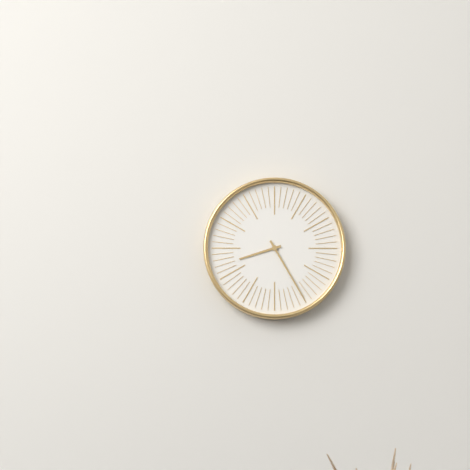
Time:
8:25
